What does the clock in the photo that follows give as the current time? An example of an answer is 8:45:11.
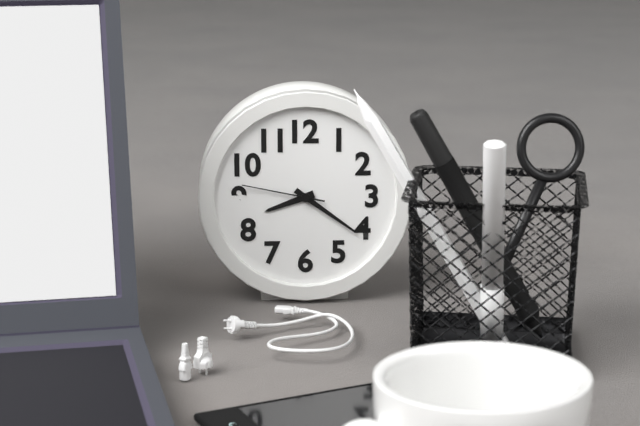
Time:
8:21:47
